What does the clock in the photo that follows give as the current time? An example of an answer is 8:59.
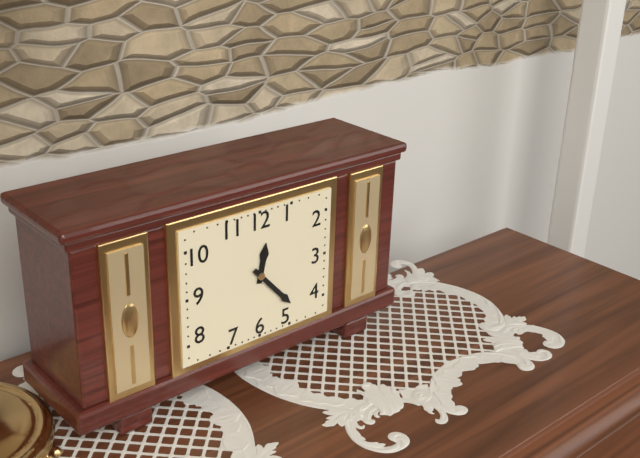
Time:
12:23
